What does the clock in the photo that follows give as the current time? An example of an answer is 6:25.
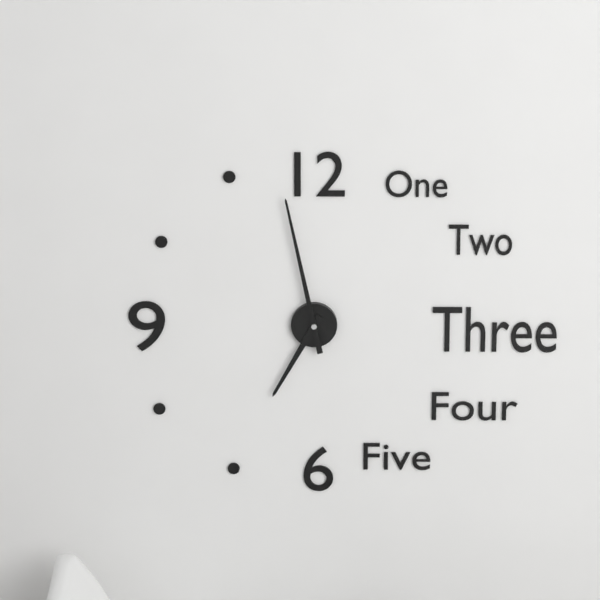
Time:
6:58
